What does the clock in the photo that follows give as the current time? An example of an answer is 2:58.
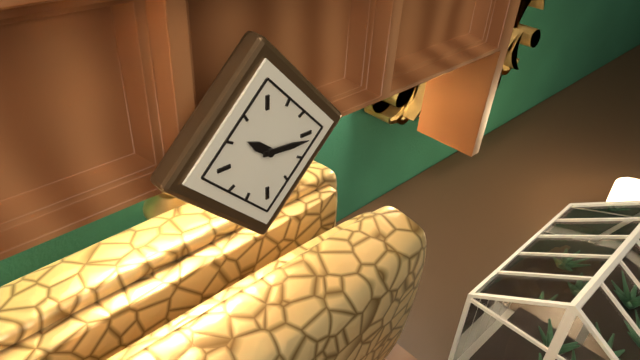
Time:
10:16
